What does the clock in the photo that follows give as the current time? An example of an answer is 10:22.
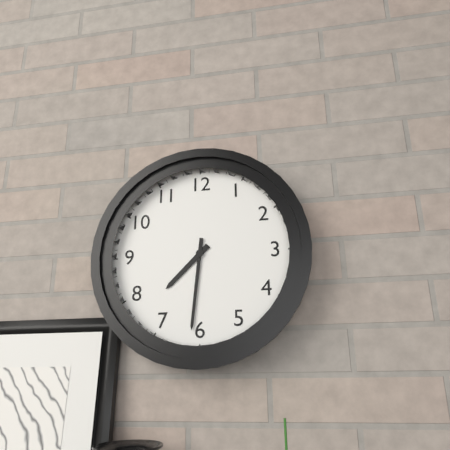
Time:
7:31
